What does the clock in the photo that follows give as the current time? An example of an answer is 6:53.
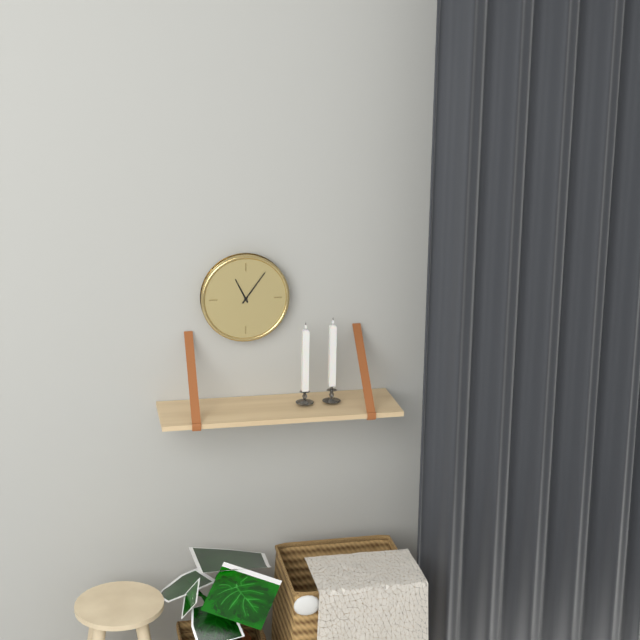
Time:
11:06
